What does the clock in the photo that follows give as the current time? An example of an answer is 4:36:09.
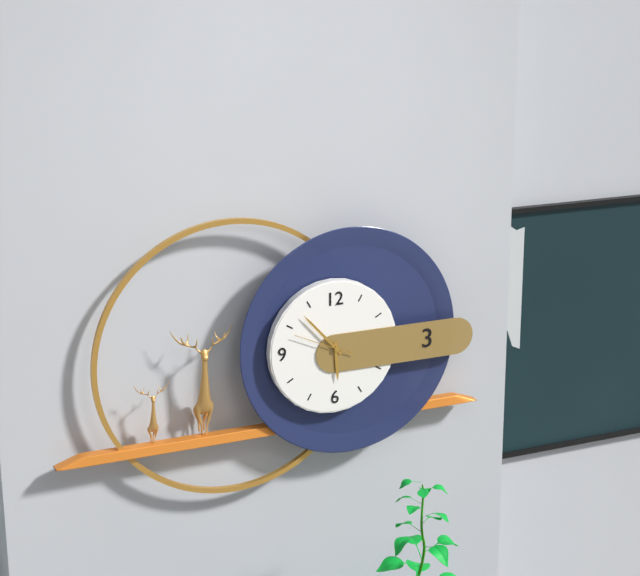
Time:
5:53:49
